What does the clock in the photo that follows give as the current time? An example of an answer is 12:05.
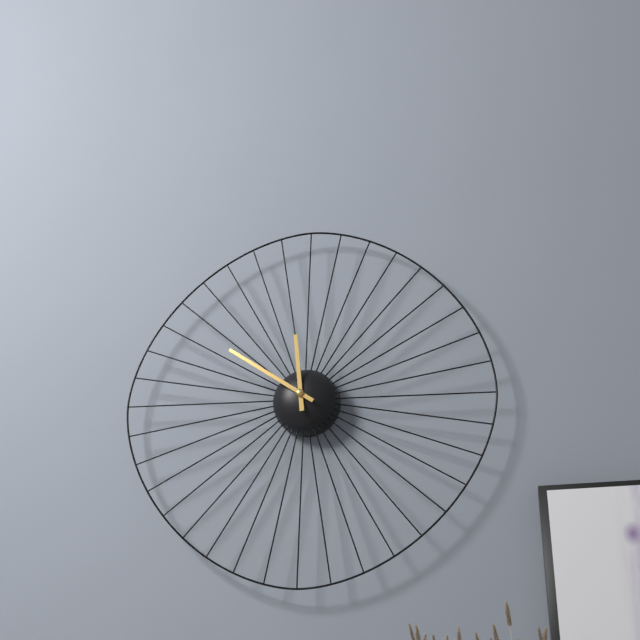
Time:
11:51
